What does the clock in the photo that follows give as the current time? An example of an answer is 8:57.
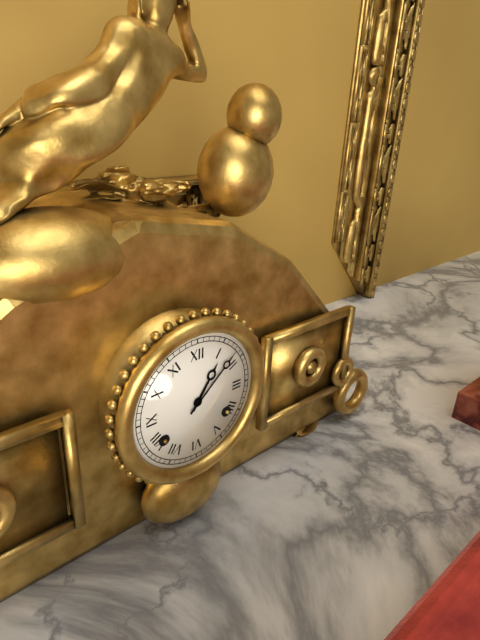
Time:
1:08
